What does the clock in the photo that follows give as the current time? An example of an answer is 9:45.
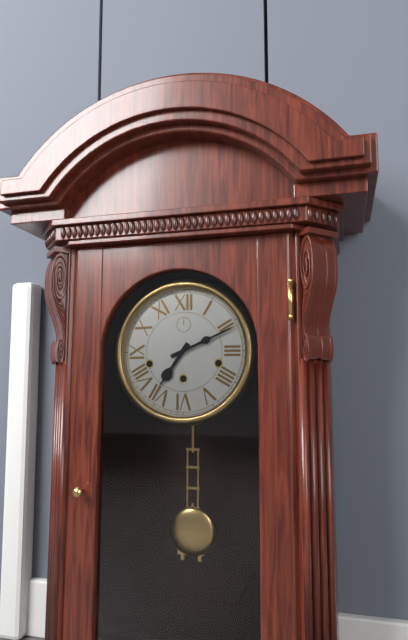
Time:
7:11
